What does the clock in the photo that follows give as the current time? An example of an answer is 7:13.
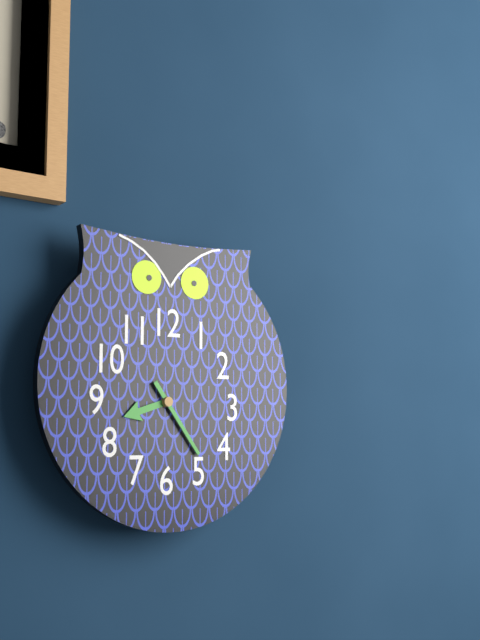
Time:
8:24
